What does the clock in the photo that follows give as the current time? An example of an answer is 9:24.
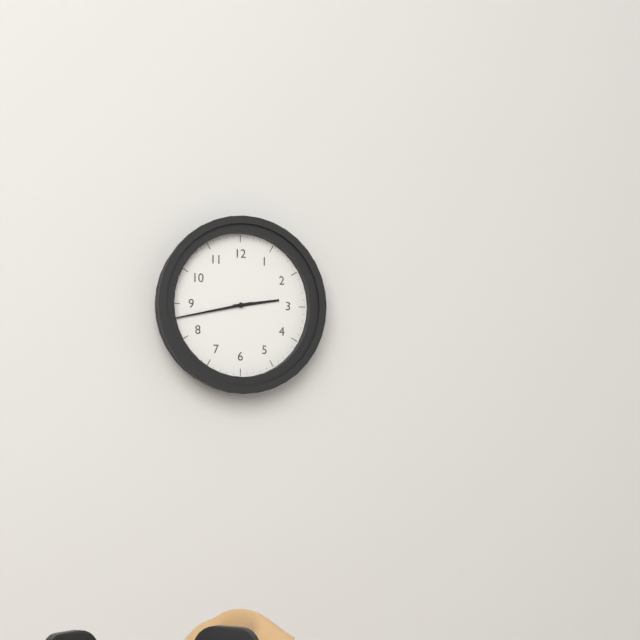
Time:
2:43
